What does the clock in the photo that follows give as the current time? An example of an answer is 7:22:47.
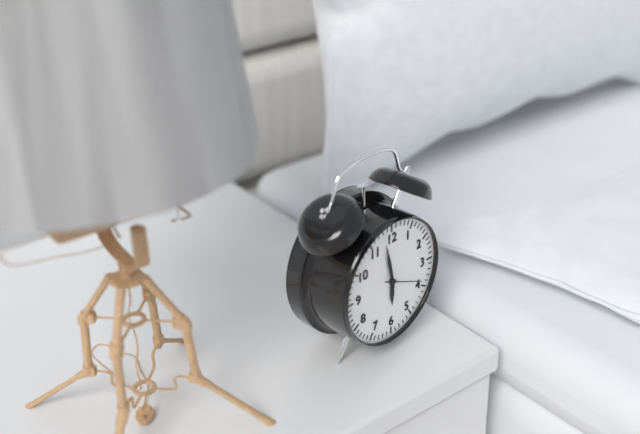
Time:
5:58:19
